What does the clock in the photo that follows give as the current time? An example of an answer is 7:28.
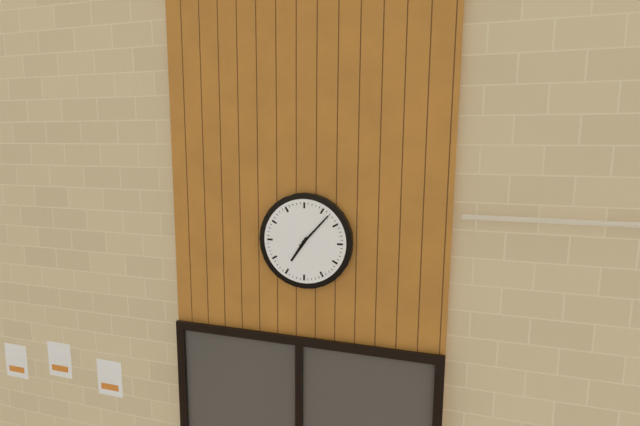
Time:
7:07
